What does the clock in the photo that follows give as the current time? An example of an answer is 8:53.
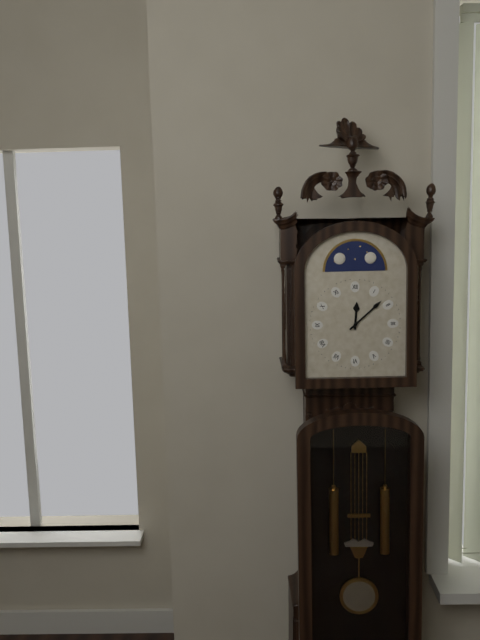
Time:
12:08
